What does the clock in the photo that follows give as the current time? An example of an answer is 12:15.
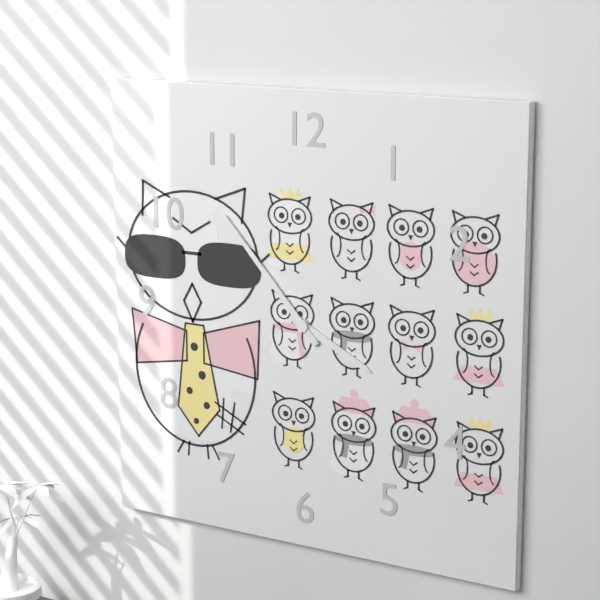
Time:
3:53
